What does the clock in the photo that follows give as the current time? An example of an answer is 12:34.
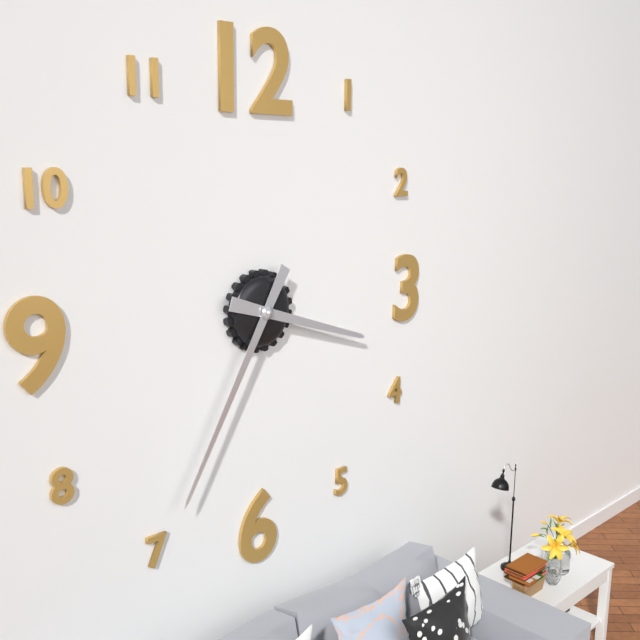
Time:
3:35
